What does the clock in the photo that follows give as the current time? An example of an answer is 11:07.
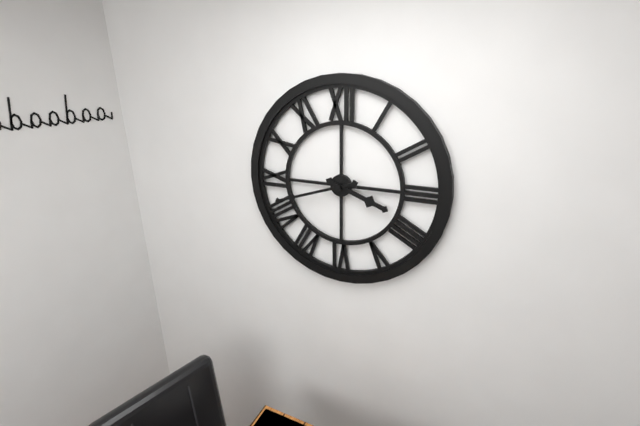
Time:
3:42
